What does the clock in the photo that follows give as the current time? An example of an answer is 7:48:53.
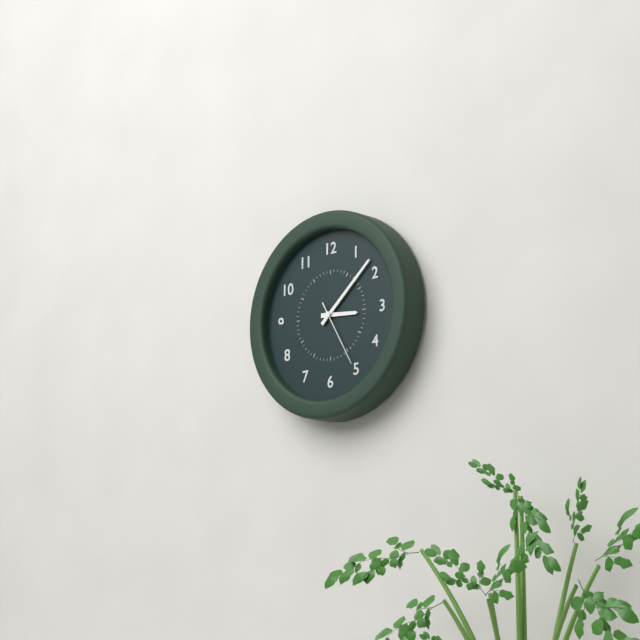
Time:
3:08:25
